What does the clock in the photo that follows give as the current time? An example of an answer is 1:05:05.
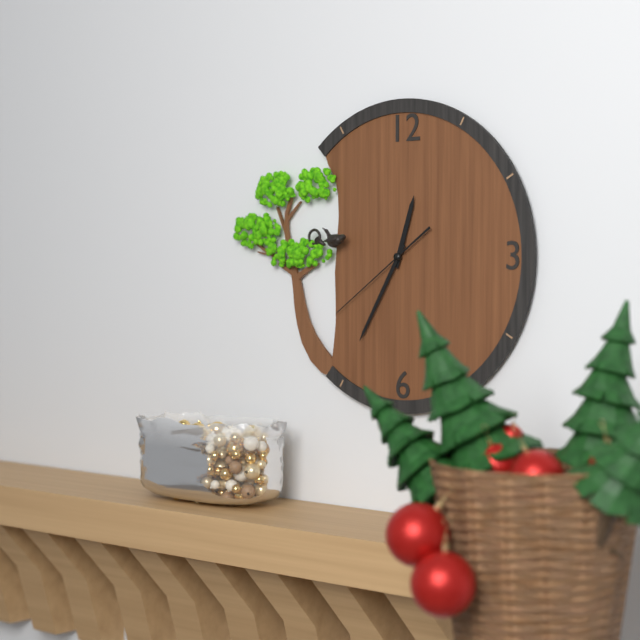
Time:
12:35:39
